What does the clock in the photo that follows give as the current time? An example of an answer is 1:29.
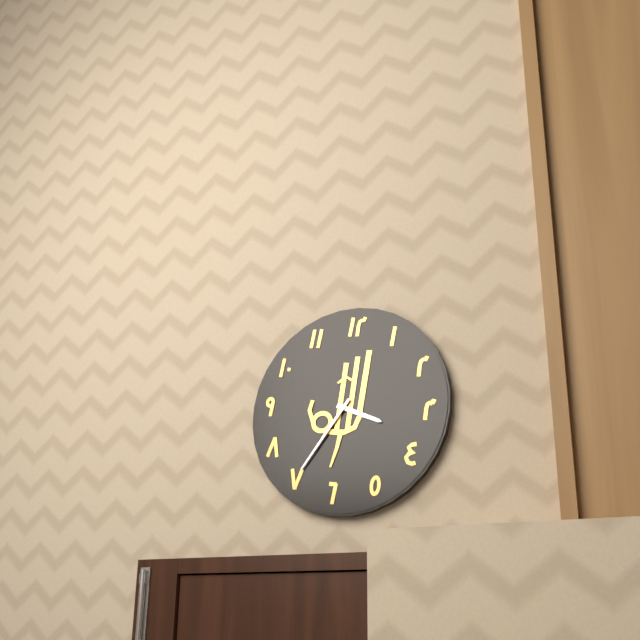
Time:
3:35
